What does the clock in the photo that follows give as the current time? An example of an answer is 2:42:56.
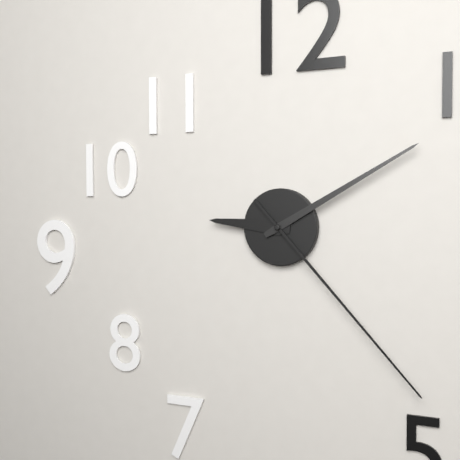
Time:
9:10:23
